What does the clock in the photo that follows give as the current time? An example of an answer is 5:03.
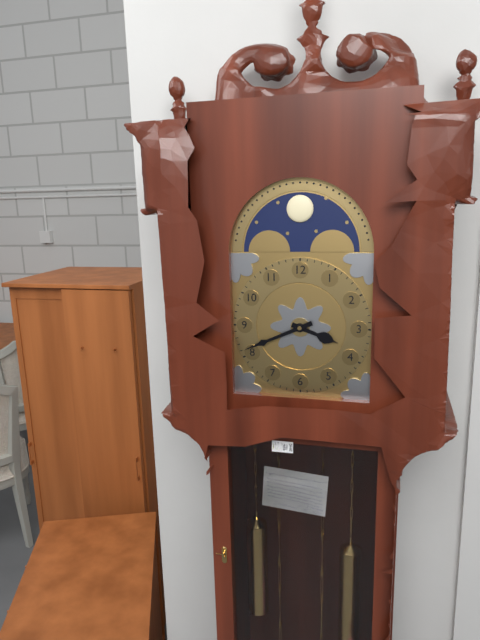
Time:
3:41
